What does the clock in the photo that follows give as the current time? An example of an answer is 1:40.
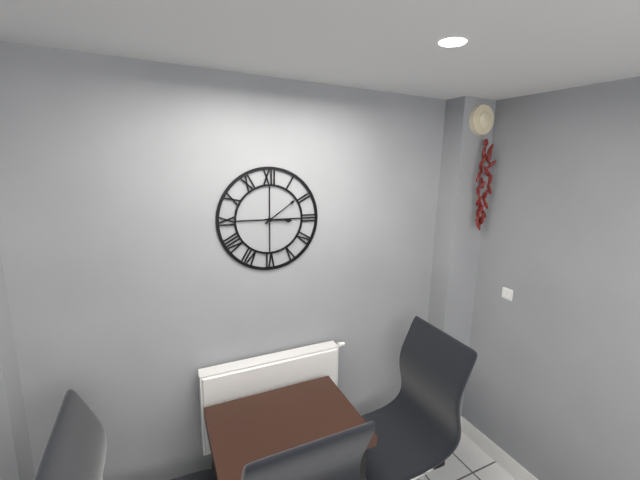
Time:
3:09
